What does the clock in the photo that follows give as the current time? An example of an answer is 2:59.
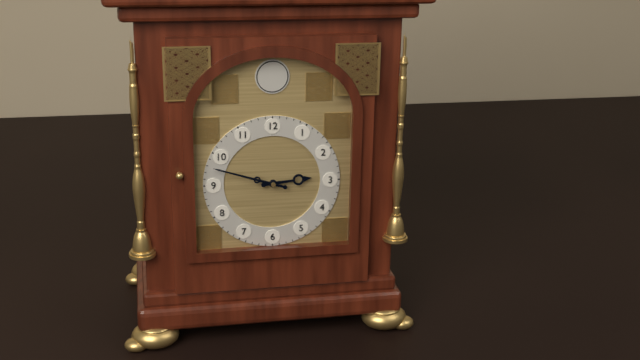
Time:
2:48
